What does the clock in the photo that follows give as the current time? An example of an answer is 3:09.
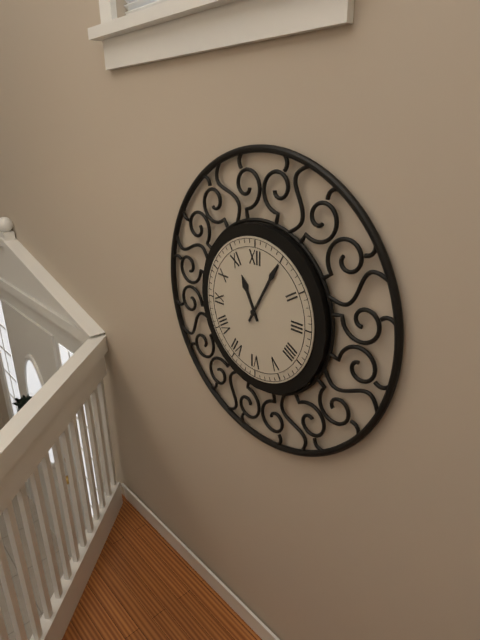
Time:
11:05
